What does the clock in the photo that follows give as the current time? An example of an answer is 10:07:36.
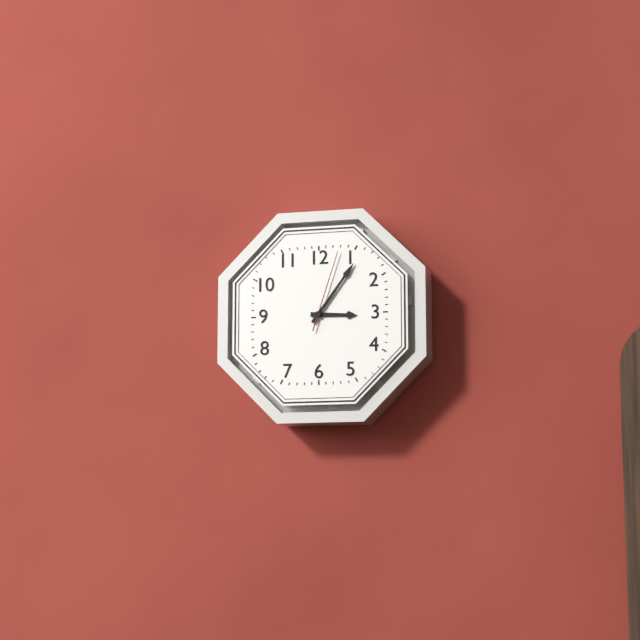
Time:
3:06:03
